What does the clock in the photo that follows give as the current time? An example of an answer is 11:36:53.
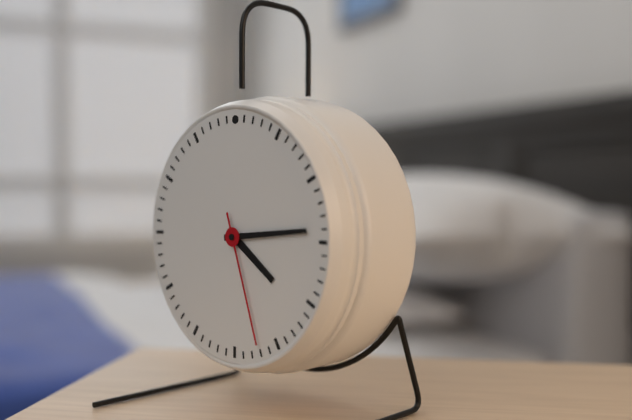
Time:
4:14:27
